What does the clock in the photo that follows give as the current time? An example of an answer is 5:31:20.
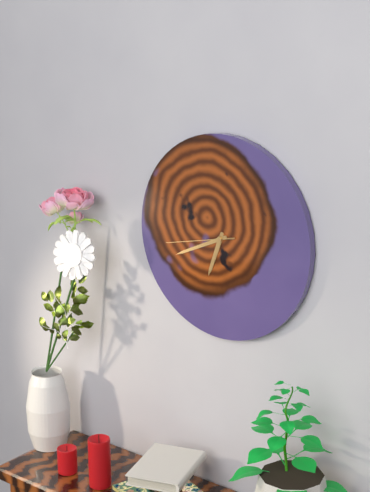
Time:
6:41:43
